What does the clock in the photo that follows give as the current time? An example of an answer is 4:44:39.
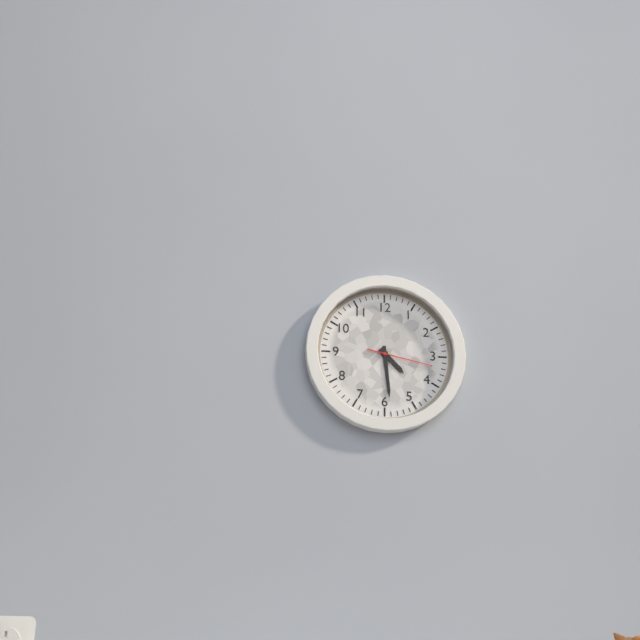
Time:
4:29:17
